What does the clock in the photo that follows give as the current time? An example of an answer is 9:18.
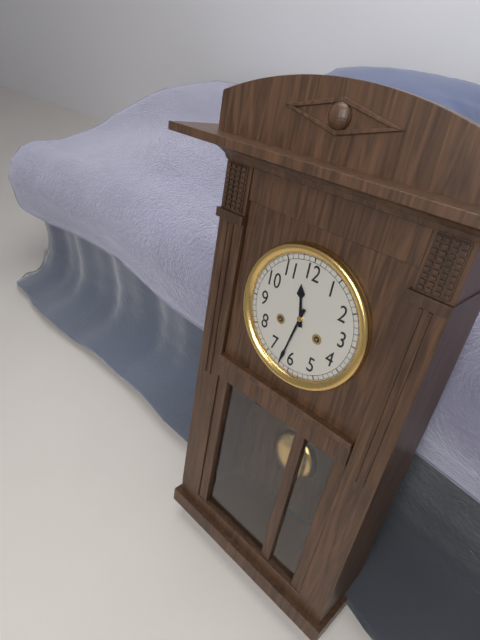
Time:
11:32
